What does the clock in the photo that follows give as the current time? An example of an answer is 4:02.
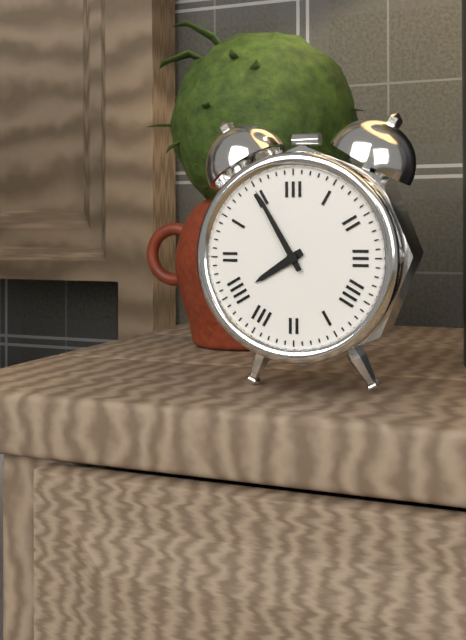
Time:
7:55
